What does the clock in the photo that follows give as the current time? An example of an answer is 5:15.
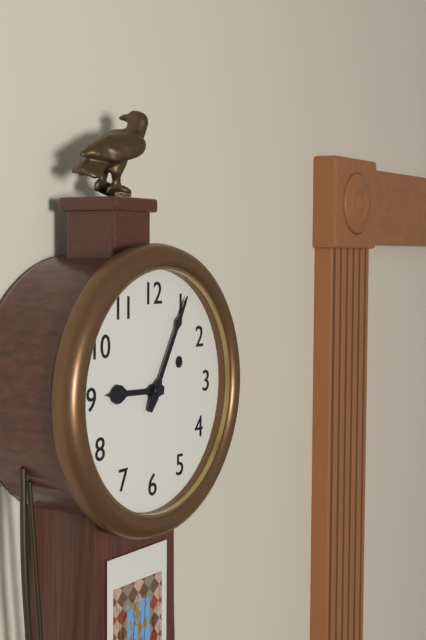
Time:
9:05
